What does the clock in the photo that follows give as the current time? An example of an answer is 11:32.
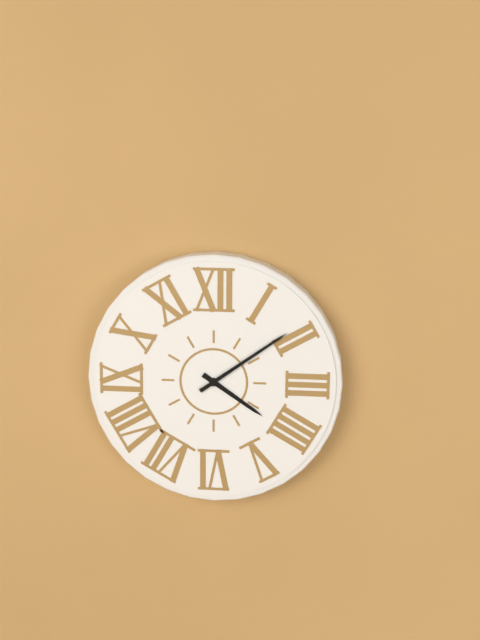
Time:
4:09
